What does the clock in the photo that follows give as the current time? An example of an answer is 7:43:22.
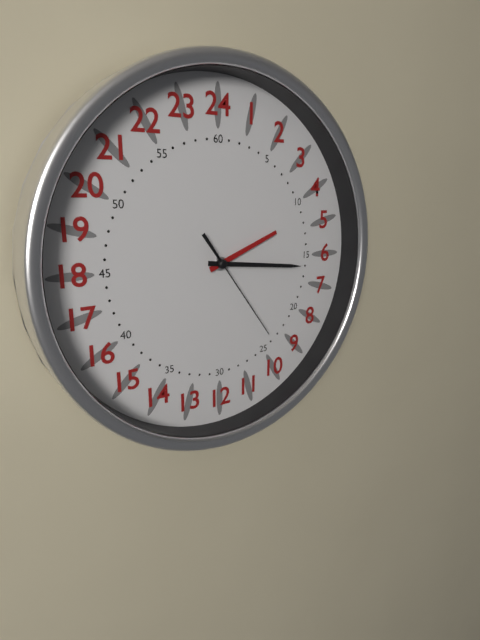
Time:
2:16:24
